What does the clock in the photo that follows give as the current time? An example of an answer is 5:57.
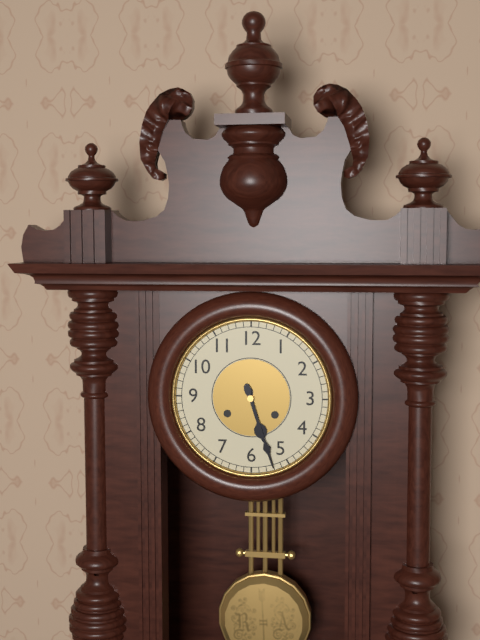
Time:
5:27
